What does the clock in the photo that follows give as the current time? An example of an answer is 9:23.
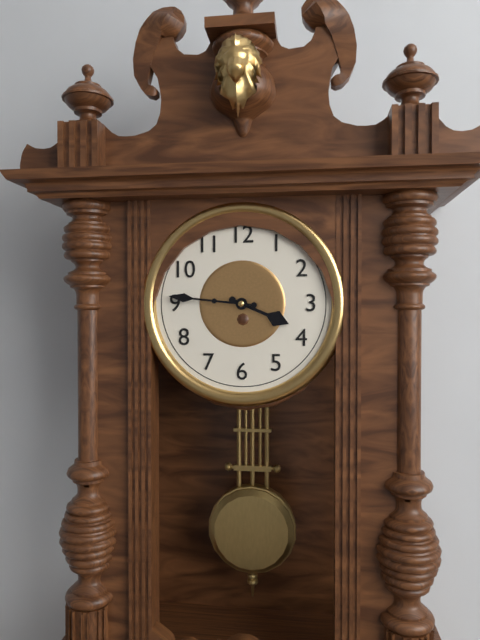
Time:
3:46
